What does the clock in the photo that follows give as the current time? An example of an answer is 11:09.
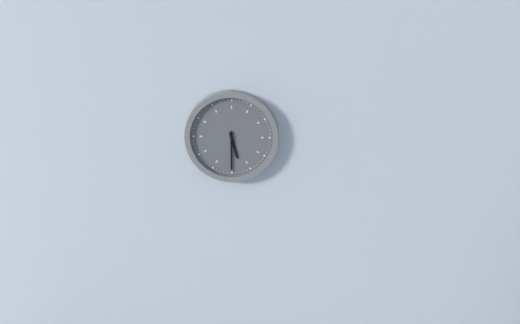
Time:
5:30
